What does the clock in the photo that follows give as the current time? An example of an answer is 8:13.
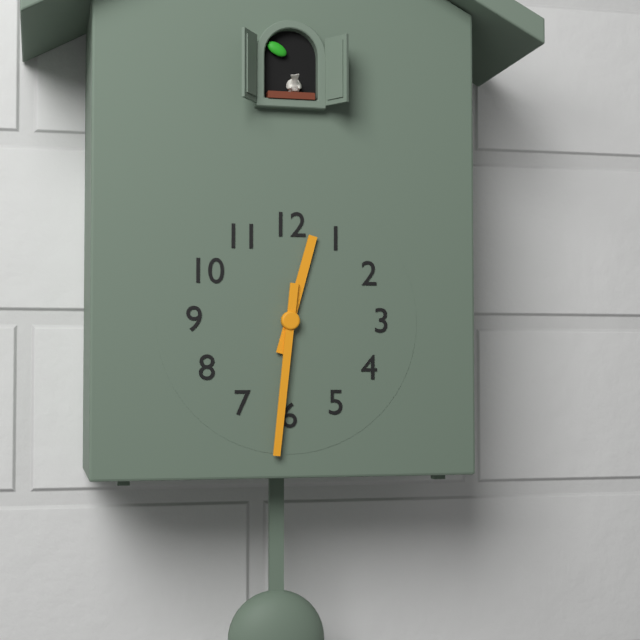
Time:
12:31
